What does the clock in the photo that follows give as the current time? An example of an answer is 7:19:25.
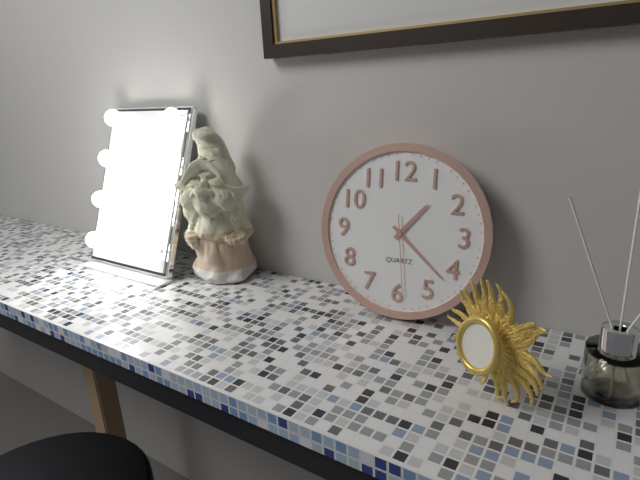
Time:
1:22:29
